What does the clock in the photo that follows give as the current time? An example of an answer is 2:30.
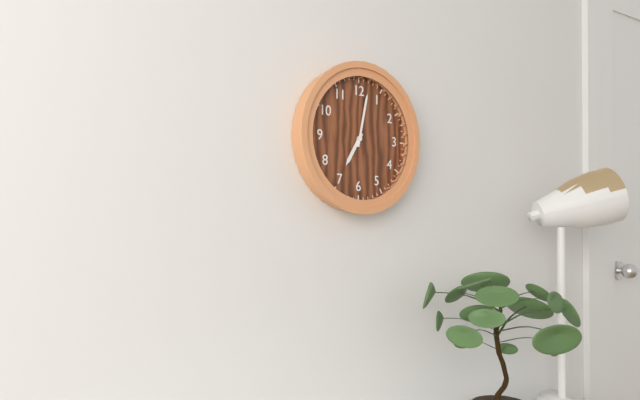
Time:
7:02
